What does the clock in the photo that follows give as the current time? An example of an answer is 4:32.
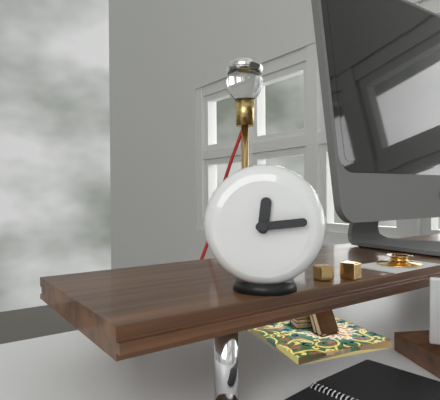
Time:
12:14
